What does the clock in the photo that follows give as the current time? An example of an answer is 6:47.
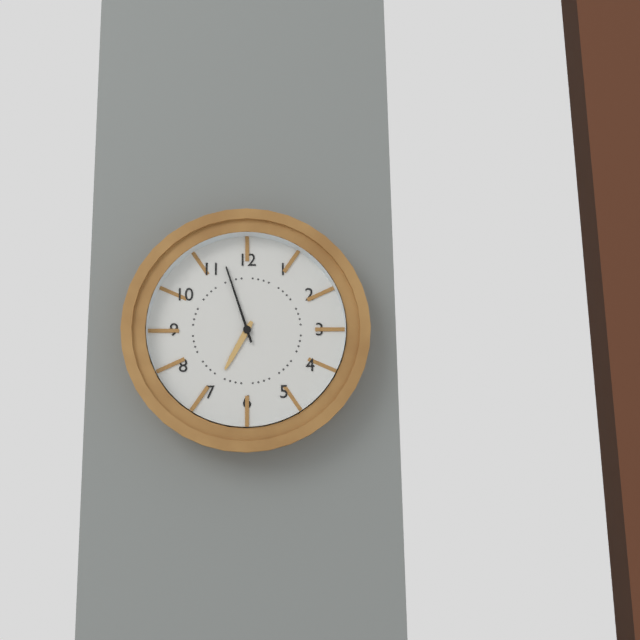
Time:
6:57
